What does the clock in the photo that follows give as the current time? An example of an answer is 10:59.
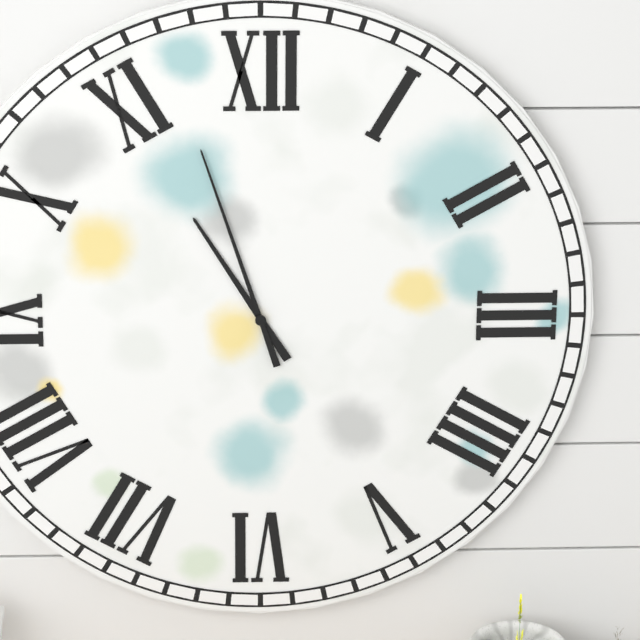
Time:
10:57
